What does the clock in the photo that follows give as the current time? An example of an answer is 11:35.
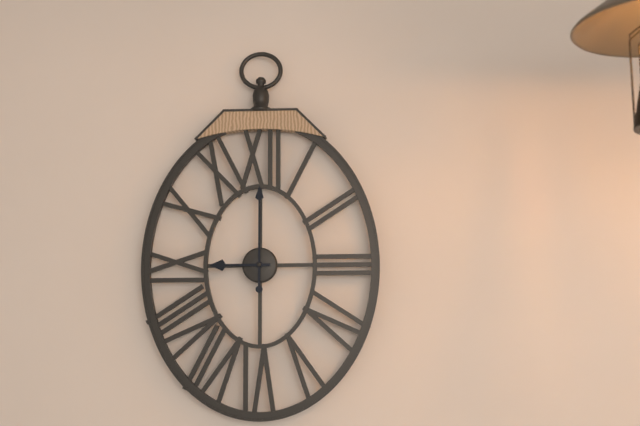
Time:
9:00
